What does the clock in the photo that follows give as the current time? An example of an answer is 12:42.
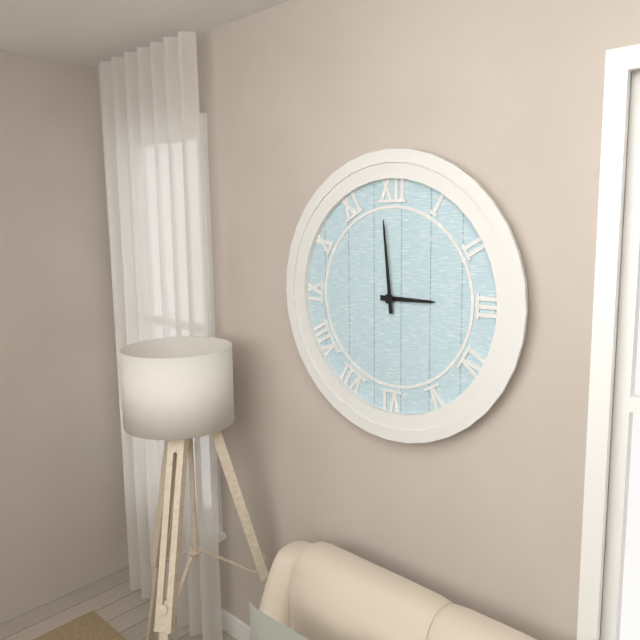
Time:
2:59
